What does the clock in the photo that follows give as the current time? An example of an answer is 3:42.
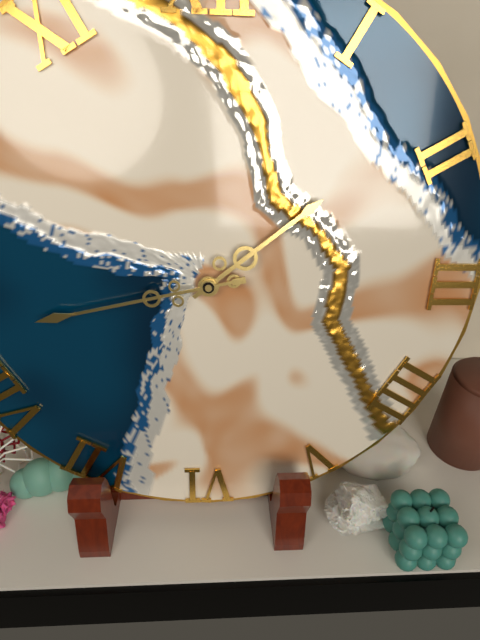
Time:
1:43
